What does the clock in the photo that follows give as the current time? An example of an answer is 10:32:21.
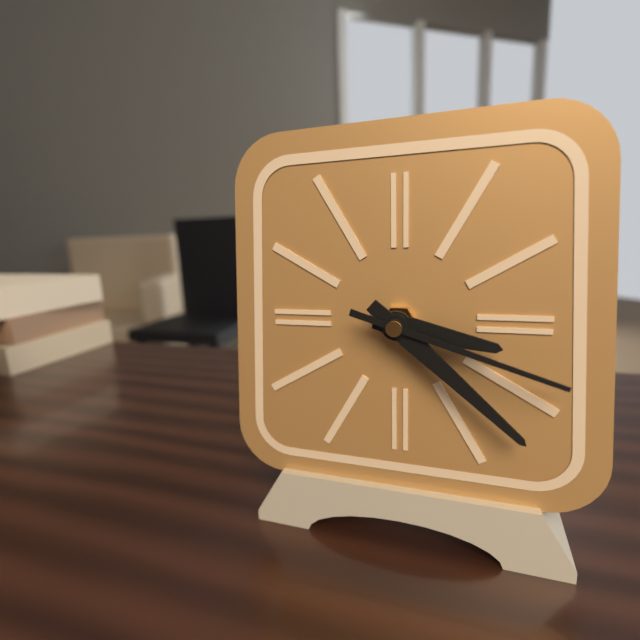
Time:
3:22:18
